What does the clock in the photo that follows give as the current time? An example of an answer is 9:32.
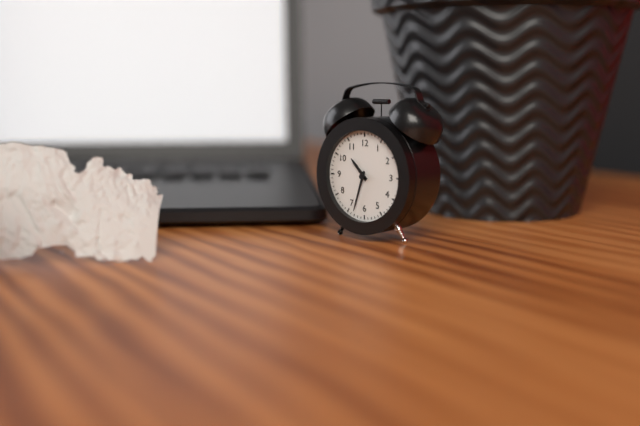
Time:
10:33
